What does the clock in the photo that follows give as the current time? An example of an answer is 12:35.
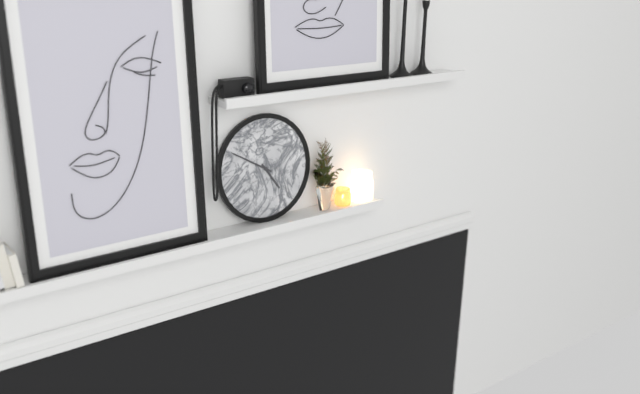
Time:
4:50
